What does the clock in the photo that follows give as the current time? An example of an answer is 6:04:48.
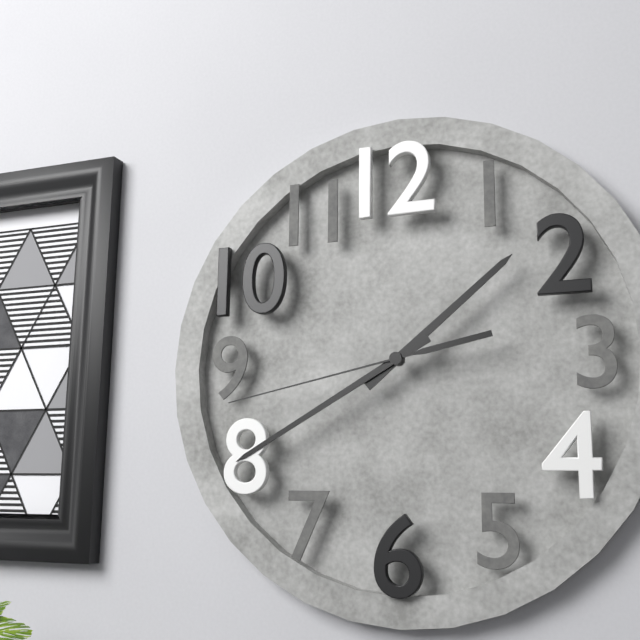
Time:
1:40:43
